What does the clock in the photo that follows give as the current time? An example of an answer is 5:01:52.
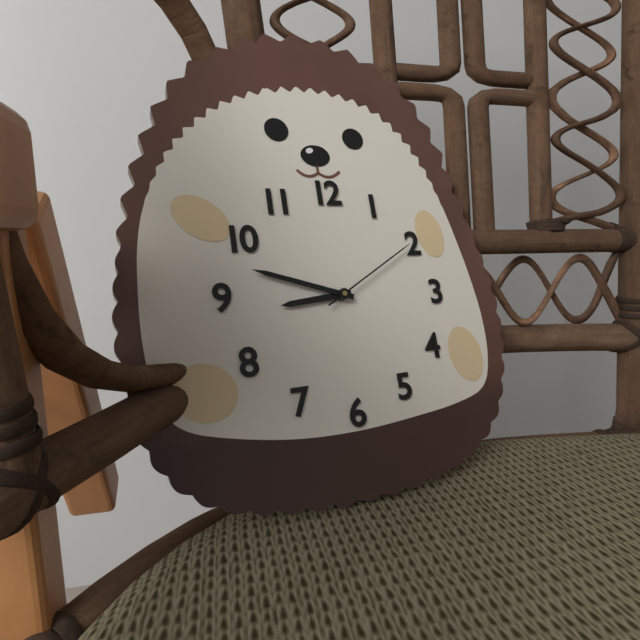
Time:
8:48:10
